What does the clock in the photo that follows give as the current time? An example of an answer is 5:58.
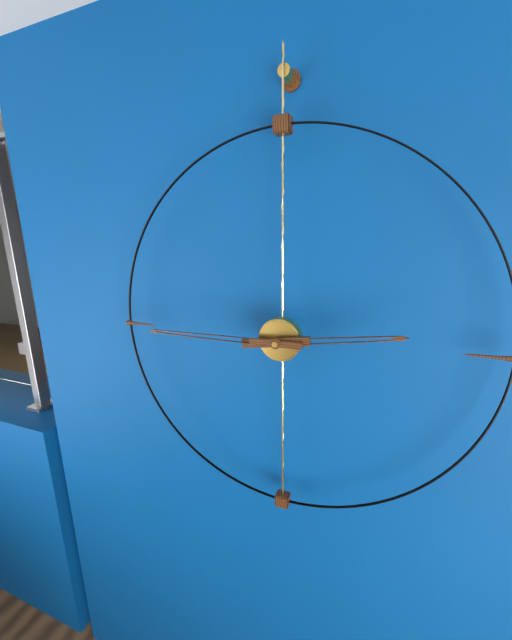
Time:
2:45
